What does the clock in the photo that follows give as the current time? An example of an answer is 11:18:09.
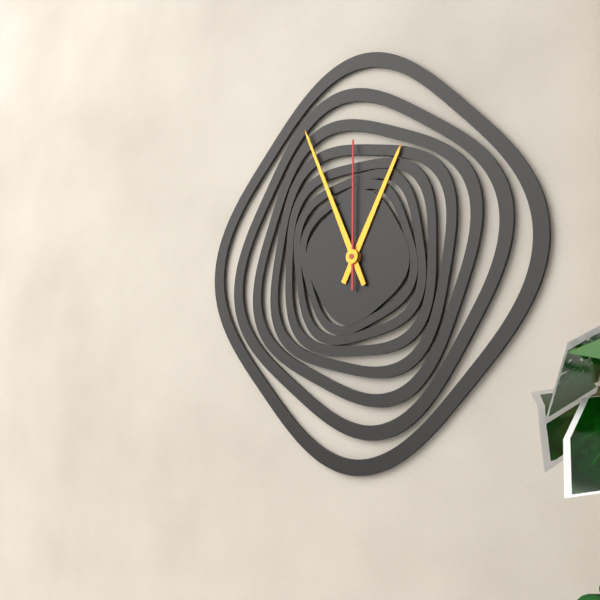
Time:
12:56:00
